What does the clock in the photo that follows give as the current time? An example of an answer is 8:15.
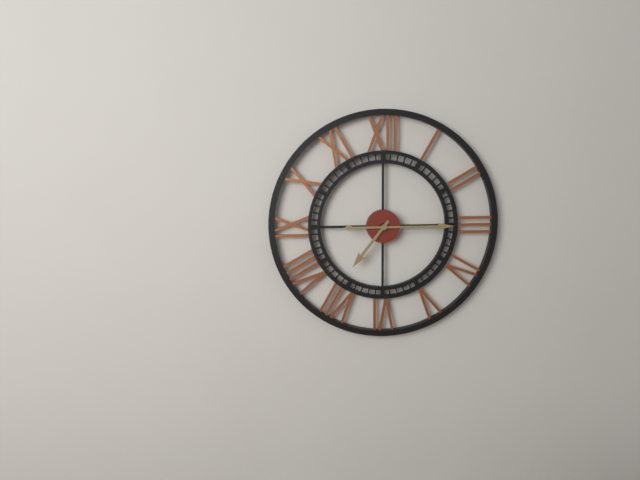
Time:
7:15
